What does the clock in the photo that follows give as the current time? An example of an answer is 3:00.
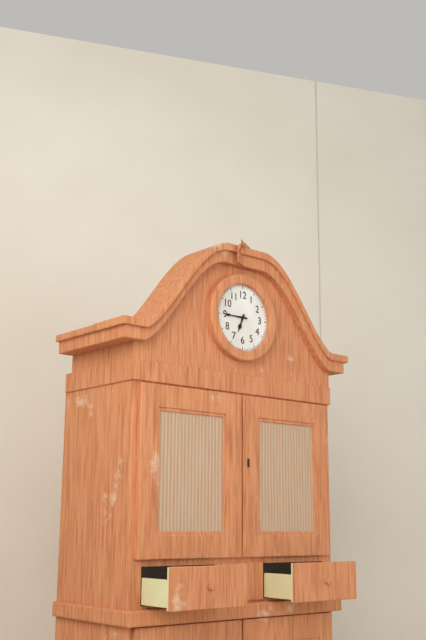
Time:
6:45
